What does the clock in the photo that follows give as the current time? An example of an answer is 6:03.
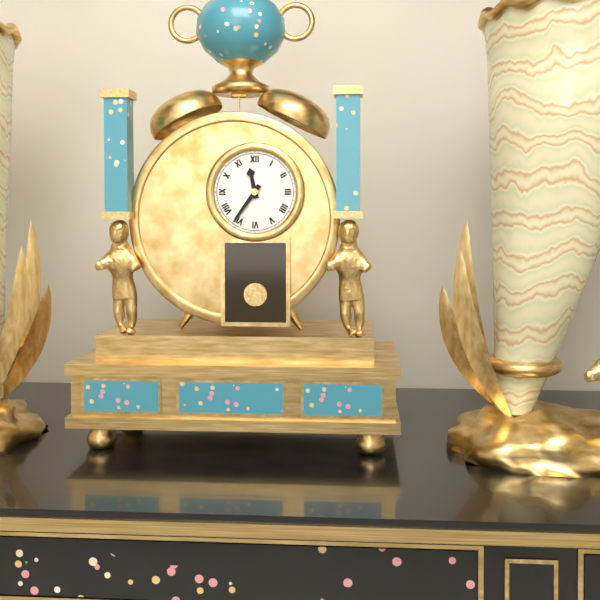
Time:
11:36
